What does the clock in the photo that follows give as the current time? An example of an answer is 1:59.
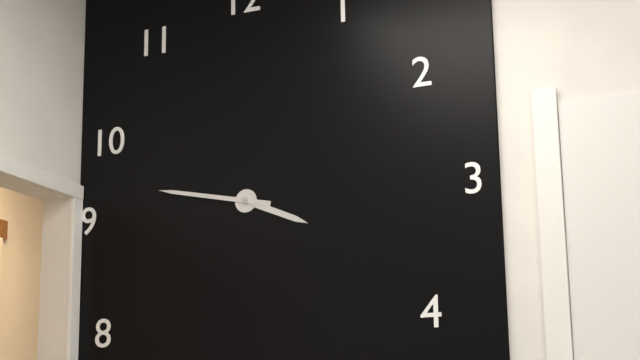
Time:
3:47
